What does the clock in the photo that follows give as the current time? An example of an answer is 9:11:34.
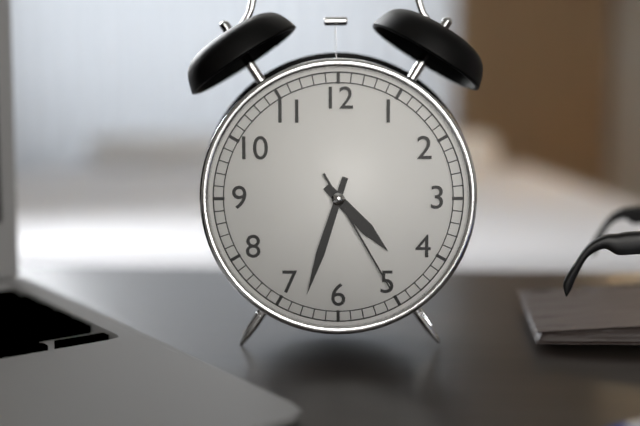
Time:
4:33:25
